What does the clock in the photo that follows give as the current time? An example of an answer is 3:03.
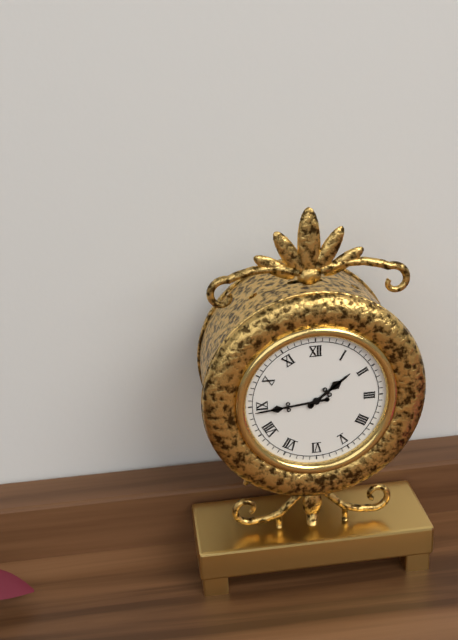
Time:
1:44
